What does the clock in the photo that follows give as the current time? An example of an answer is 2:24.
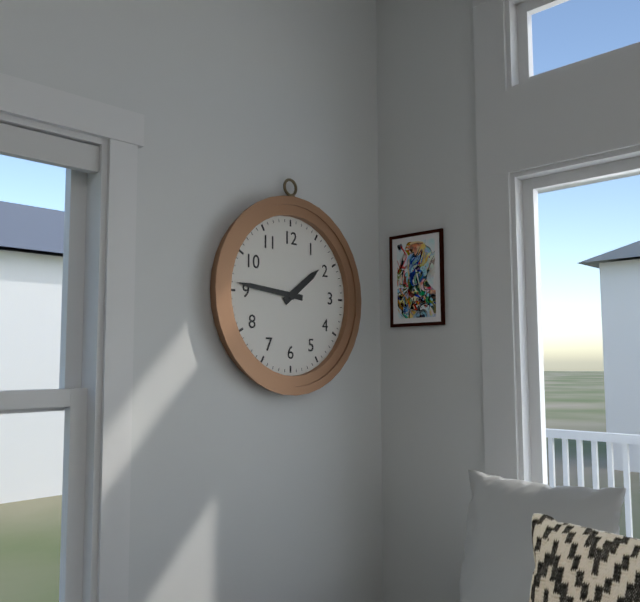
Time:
1:46
